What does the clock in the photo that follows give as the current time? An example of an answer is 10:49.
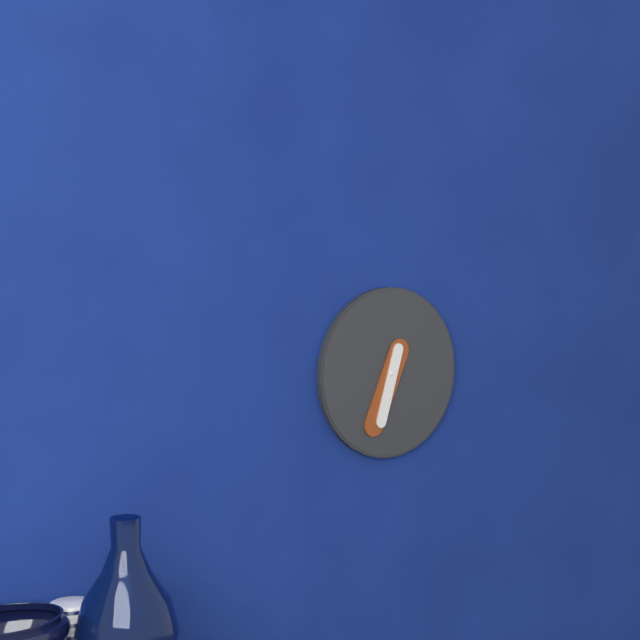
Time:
6:34
